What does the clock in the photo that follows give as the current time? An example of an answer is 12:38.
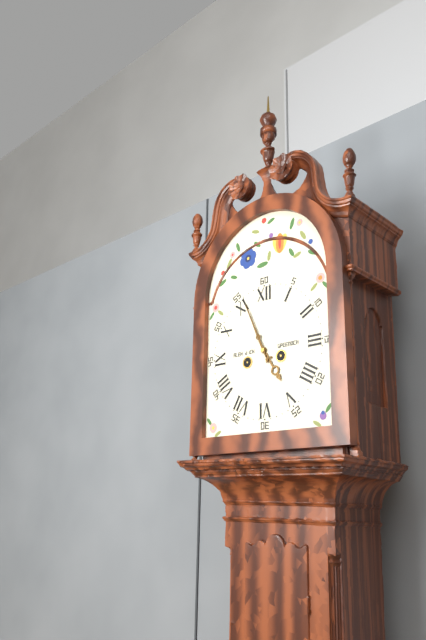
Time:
4:56
